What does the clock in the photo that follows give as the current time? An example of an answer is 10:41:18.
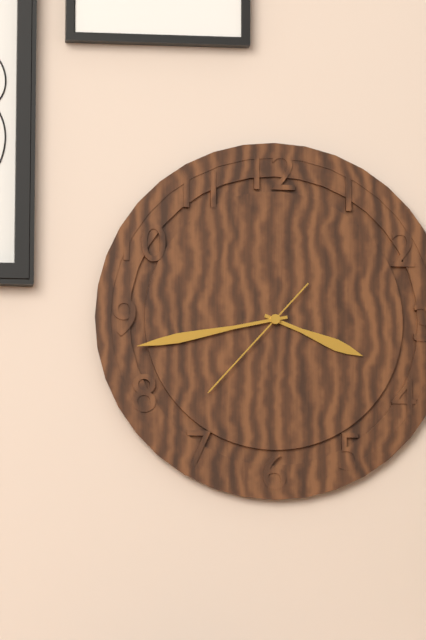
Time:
3:43:37
